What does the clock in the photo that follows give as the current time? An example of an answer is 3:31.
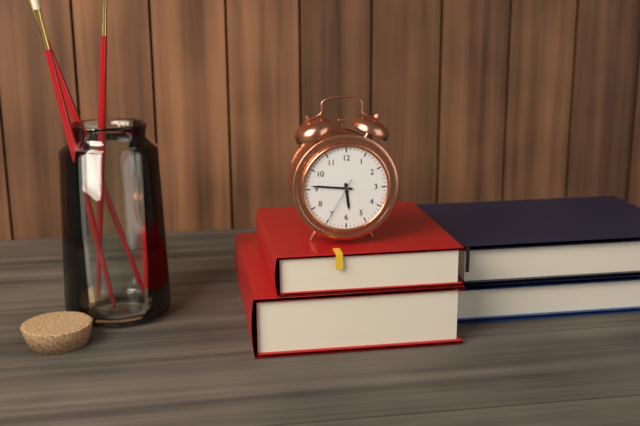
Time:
5:46
